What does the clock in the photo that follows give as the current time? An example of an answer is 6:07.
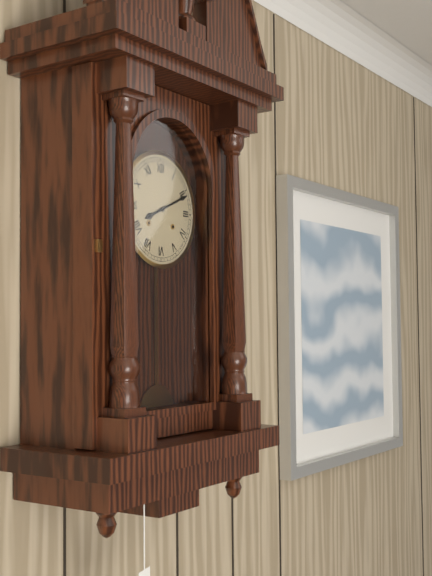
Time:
8:11
